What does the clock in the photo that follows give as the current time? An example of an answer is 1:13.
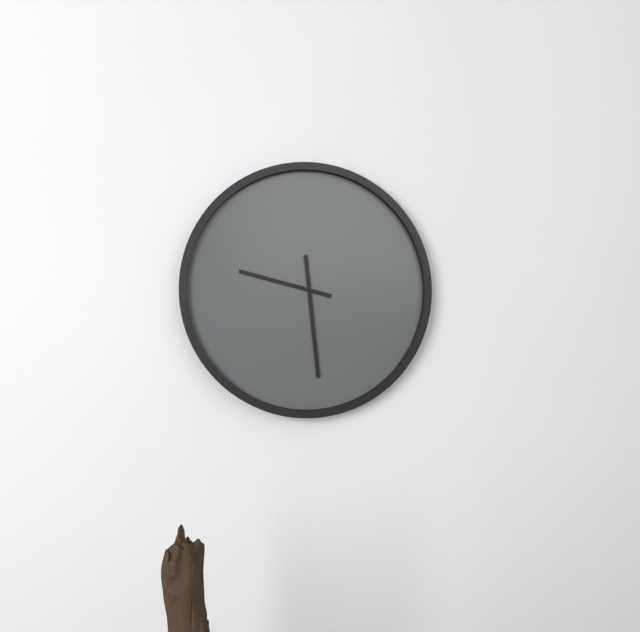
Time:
9:29
